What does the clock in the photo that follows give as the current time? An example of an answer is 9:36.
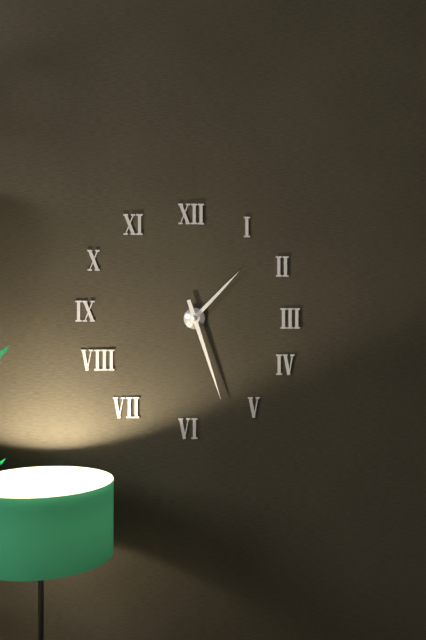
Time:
1:27
